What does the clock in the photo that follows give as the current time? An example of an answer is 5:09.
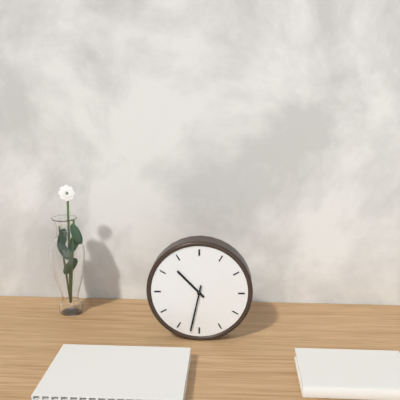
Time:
10:32
